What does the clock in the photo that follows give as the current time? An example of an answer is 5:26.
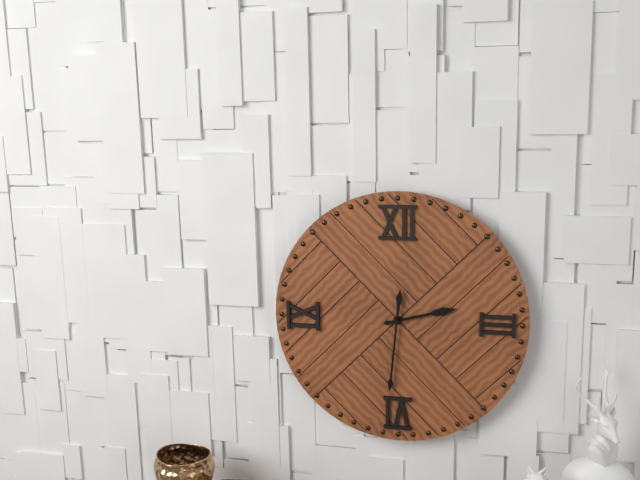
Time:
2:31
